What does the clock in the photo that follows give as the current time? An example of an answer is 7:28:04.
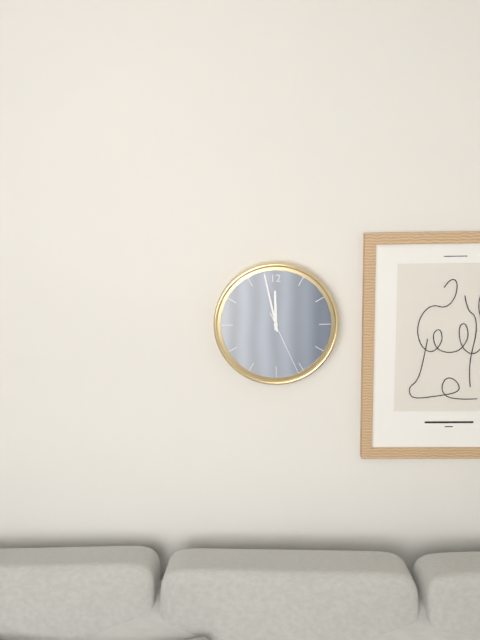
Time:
11:58:26
